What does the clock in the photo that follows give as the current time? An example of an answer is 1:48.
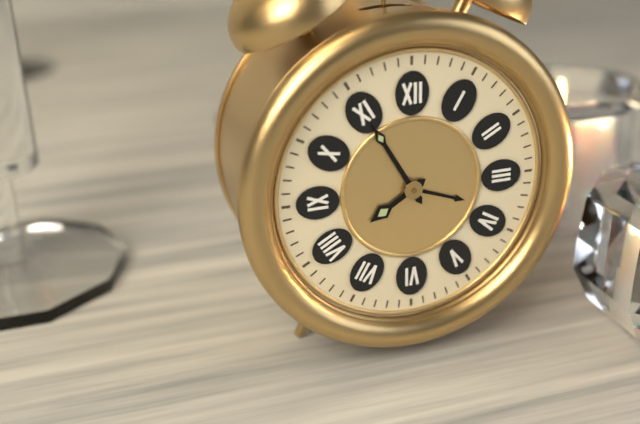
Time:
7:55
